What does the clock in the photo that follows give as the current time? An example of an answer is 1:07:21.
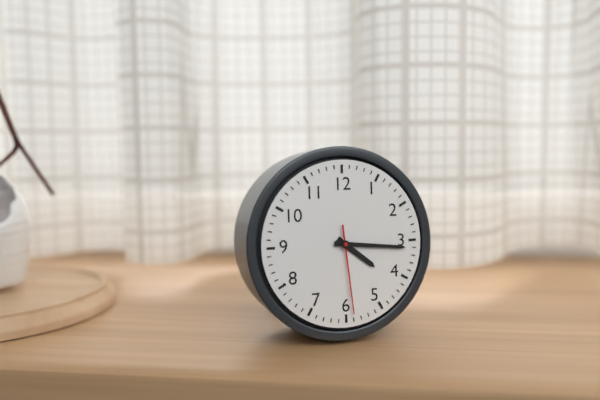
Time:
4:16:29
